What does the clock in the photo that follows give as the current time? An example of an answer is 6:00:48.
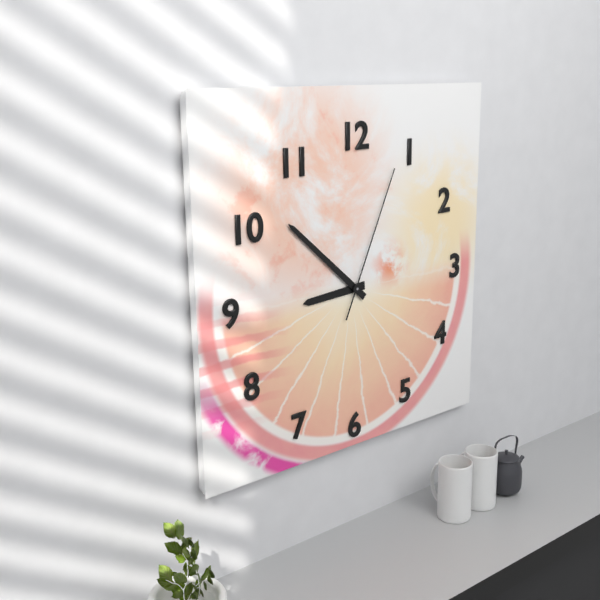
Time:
8:52:04
